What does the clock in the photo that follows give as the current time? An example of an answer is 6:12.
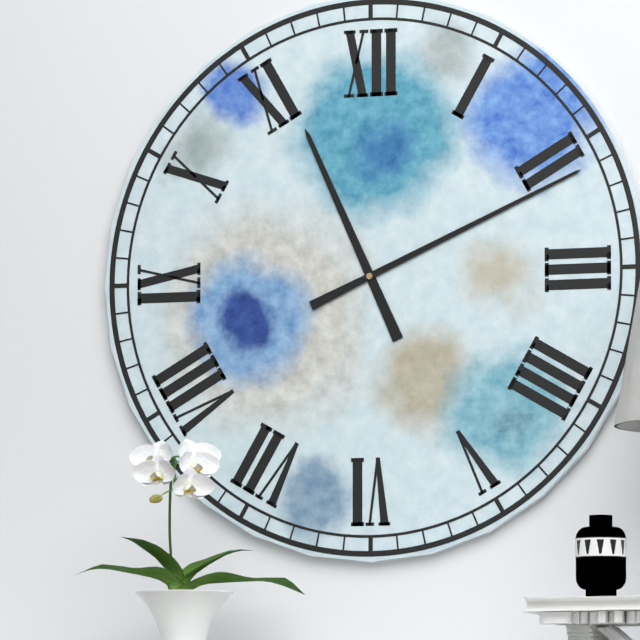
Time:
11:11
